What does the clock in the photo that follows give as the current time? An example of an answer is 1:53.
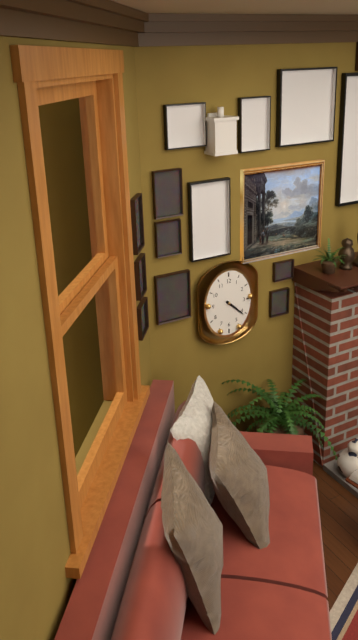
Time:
4:22
